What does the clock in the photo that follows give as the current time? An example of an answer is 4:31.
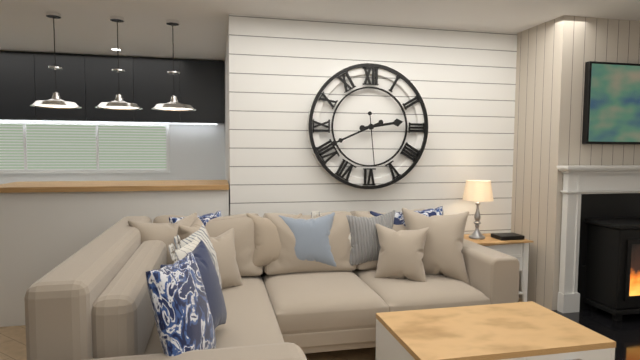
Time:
2:41
